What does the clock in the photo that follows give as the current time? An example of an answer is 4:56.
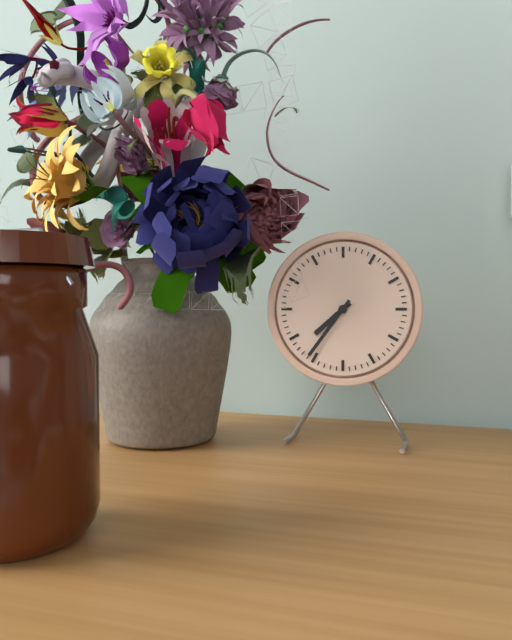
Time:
7:36
